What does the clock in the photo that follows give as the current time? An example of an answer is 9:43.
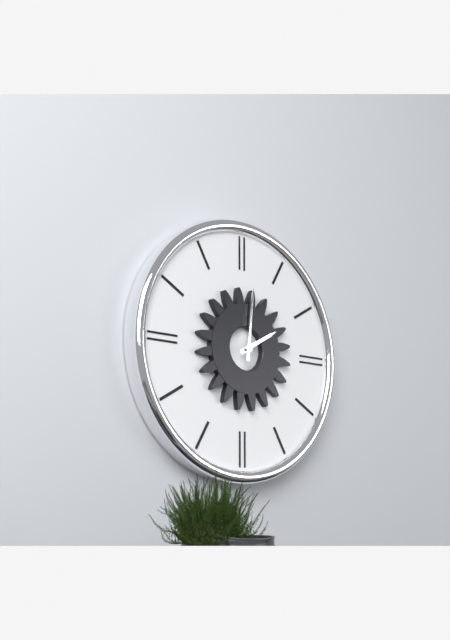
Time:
2:01
